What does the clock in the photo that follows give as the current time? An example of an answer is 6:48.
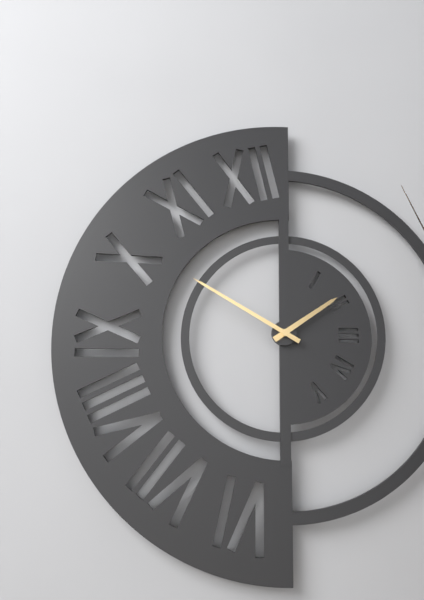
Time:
1:50
